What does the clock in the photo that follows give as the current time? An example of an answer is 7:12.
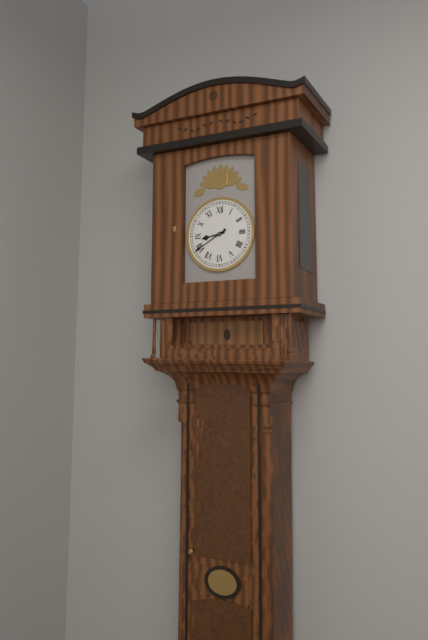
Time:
8:40
